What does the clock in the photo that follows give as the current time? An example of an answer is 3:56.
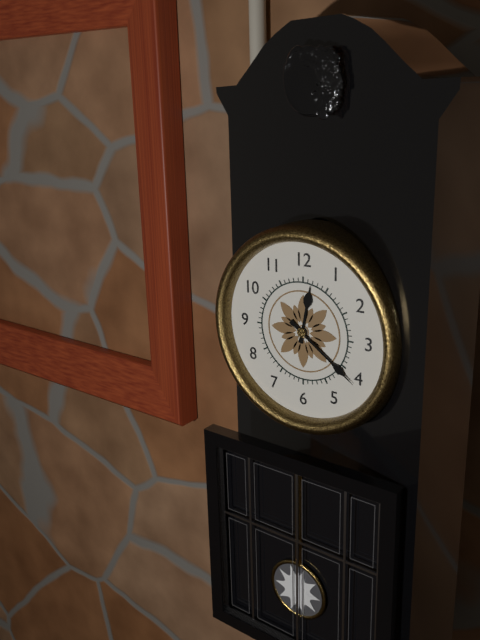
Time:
12:21
